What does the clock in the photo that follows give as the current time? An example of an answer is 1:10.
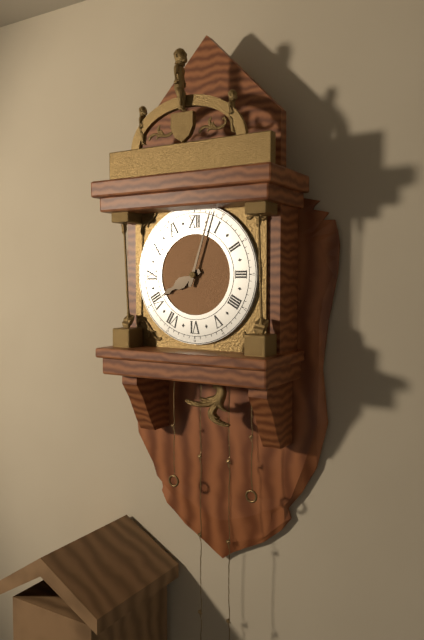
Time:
8:03
